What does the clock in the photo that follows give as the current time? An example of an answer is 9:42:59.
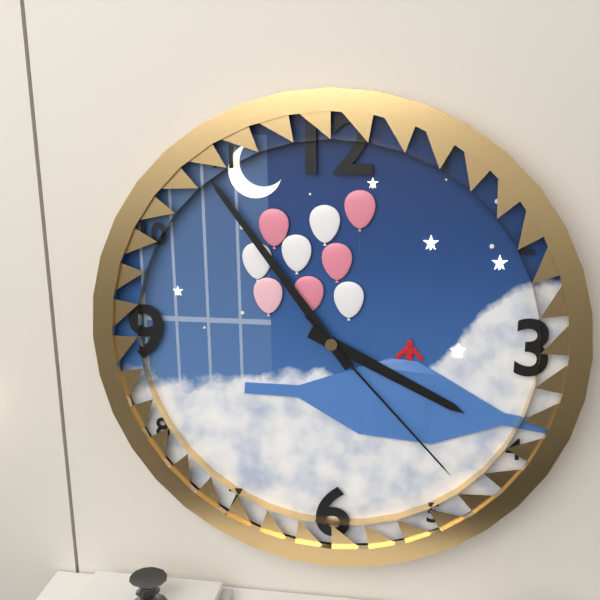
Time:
3:54:23
